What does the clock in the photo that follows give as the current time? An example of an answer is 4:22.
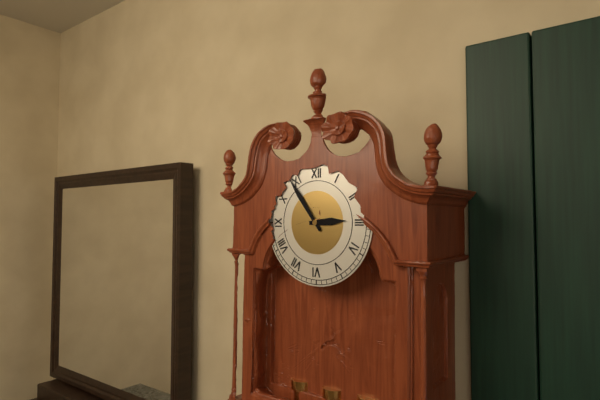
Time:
2:54
